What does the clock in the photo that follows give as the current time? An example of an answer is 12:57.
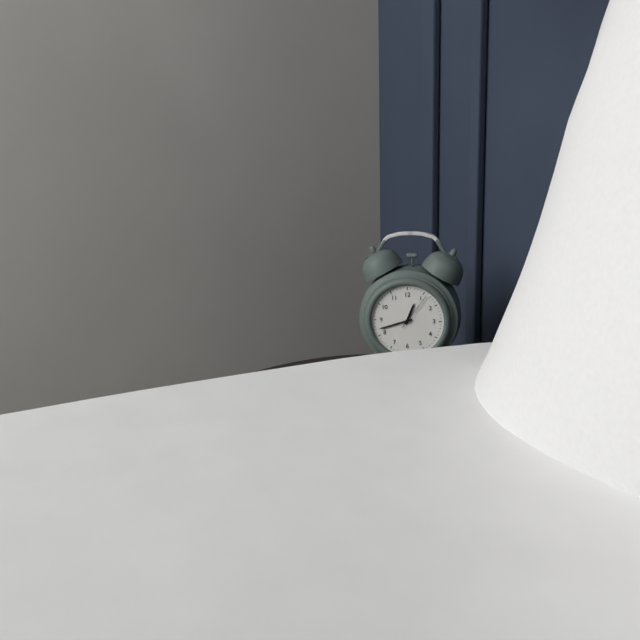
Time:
12:42
